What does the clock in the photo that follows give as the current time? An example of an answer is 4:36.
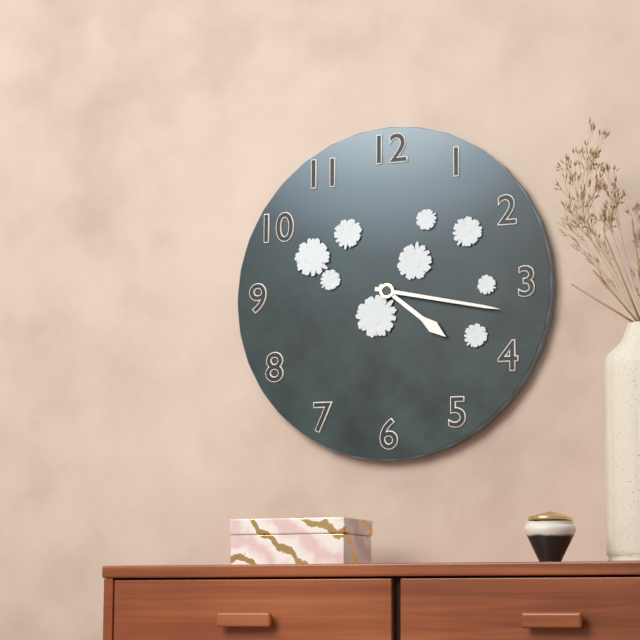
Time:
4:17
